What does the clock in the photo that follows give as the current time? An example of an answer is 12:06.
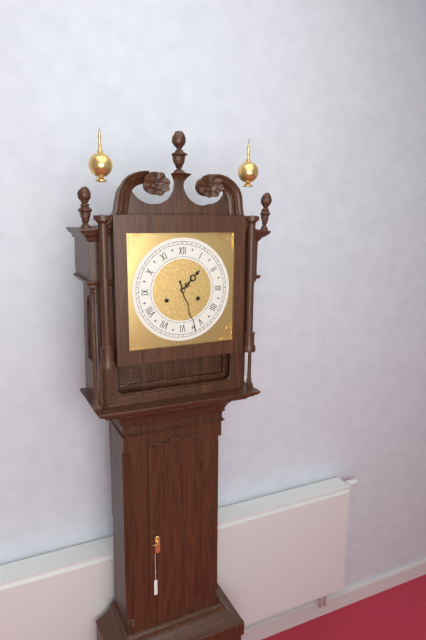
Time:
1:27
